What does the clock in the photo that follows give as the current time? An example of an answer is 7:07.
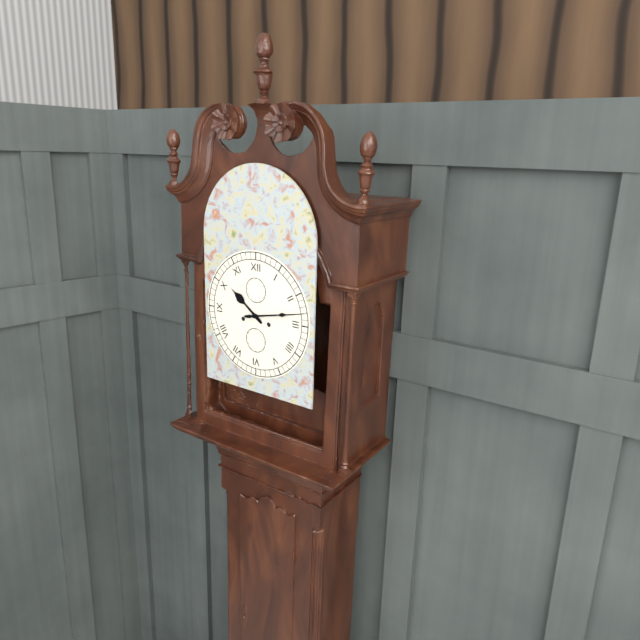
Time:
10:13
